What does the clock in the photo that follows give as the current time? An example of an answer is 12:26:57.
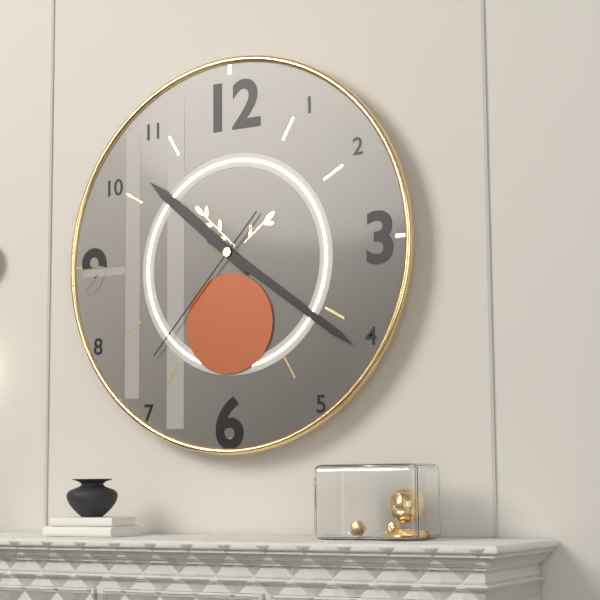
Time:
10:21:37
